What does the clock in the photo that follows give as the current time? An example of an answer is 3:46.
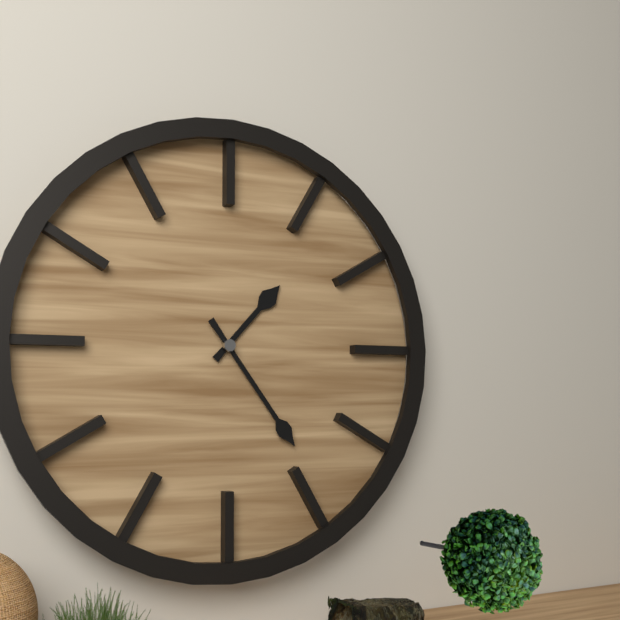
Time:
1:24
